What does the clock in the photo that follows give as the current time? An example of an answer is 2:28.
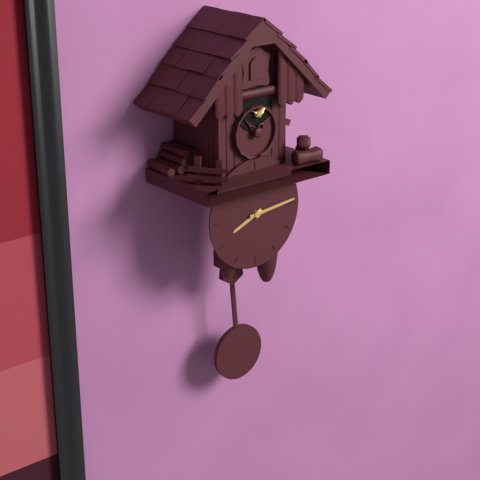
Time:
8:14
